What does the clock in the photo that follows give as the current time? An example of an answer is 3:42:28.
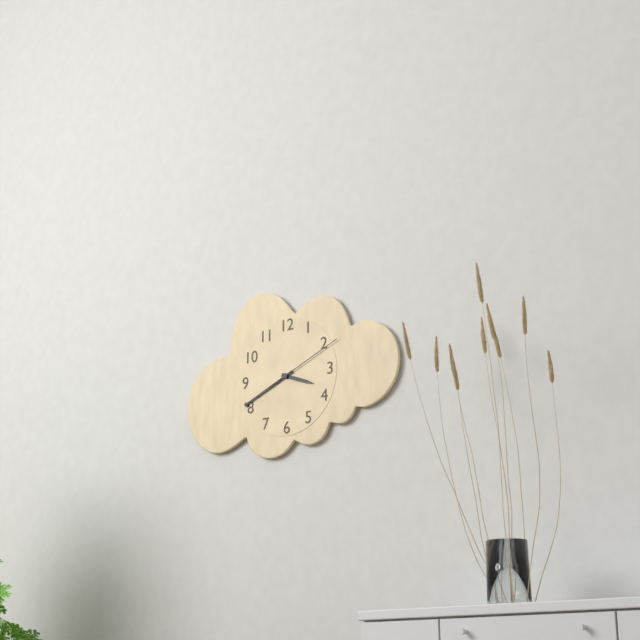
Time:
3:41:11
